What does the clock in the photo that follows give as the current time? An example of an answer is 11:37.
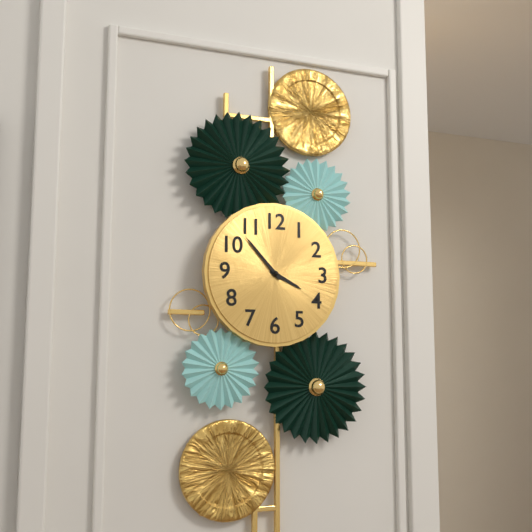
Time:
3:53
